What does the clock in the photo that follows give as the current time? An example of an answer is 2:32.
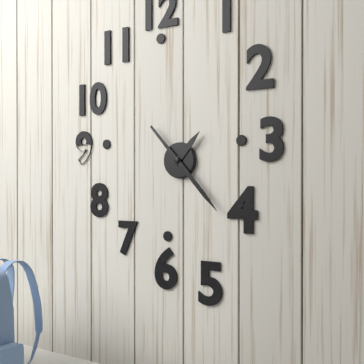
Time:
1:23
